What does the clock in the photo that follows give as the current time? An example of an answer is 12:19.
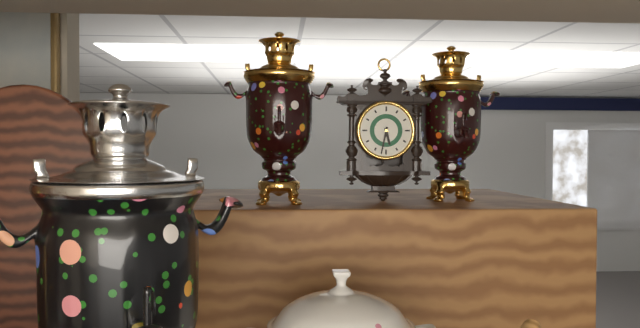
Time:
5:32
